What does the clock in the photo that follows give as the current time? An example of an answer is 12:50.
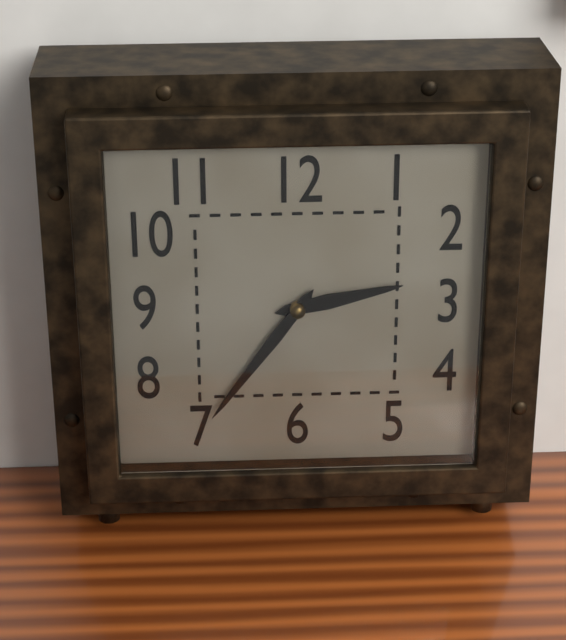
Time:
2:36
